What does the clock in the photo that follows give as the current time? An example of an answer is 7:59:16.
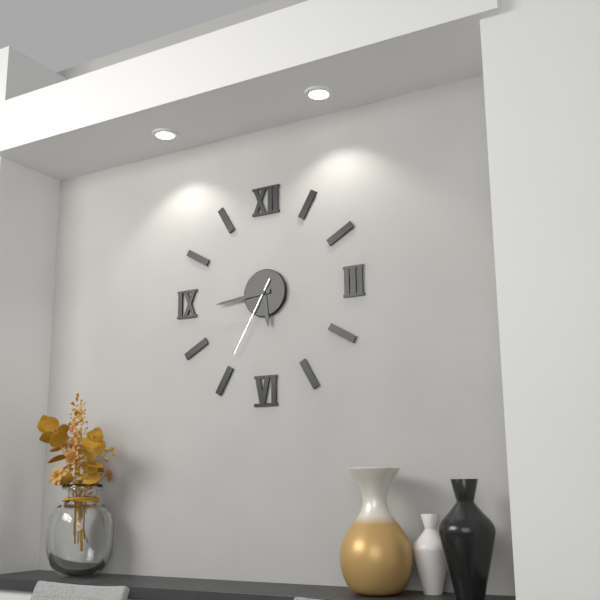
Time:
5:44:35
